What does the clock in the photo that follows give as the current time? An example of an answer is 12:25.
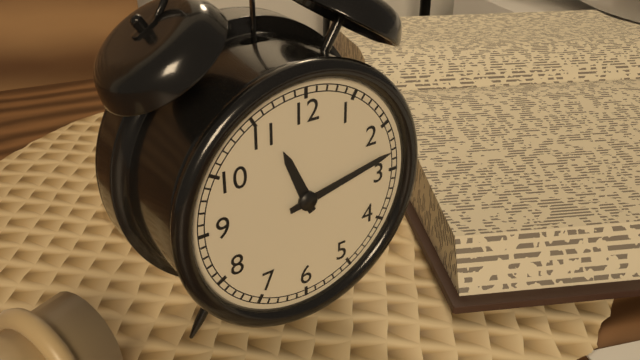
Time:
11:13
